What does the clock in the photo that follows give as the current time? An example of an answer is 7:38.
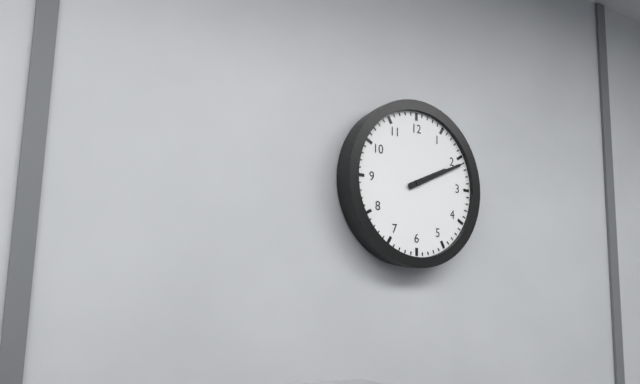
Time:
2:11
